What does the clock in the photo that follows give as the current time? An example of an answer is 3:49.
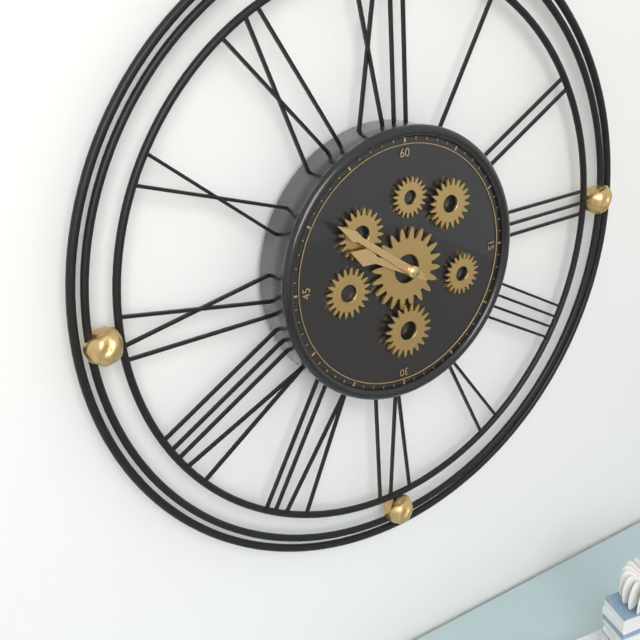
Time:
9:51
